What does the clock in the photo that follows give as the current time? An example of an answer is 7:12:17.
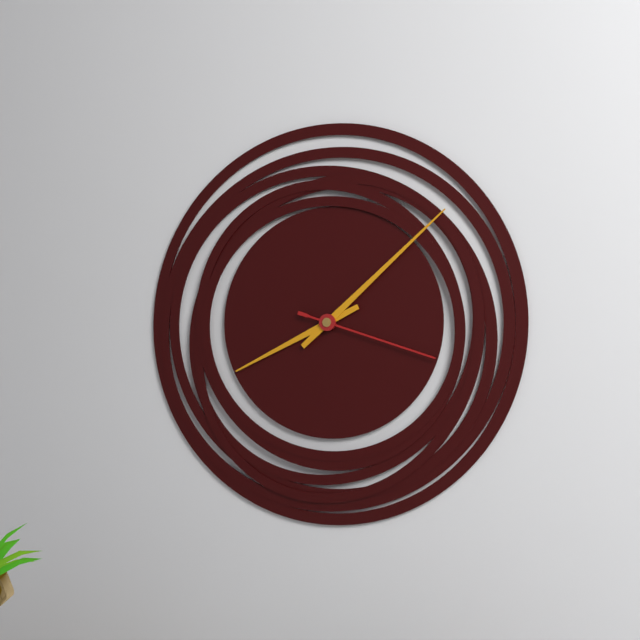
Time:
8:08:18
